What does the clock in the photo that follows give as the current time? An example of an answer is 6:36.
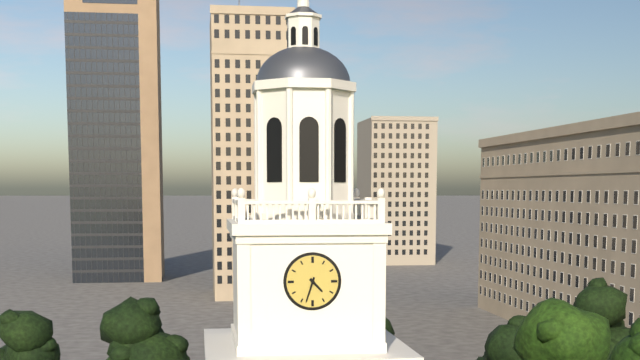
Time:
4:33
